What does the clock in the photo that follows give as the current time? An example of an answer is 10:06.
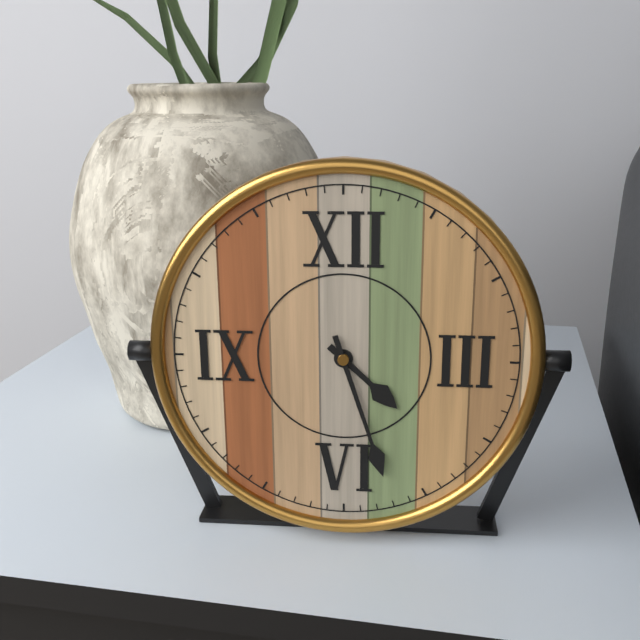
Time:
4:27
